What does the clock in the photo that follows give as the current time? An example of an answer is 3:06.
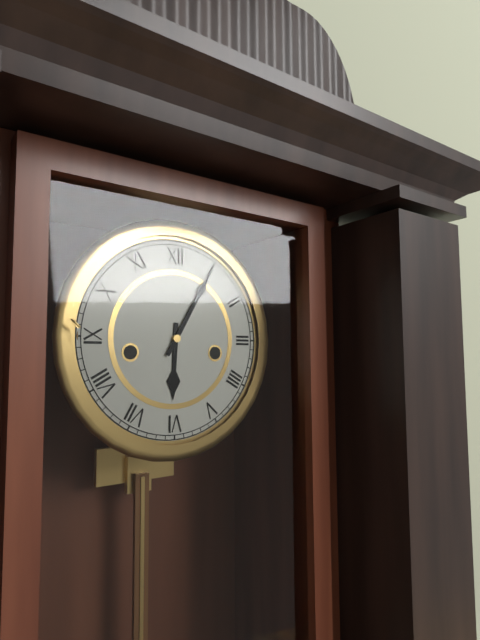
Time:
6:05
